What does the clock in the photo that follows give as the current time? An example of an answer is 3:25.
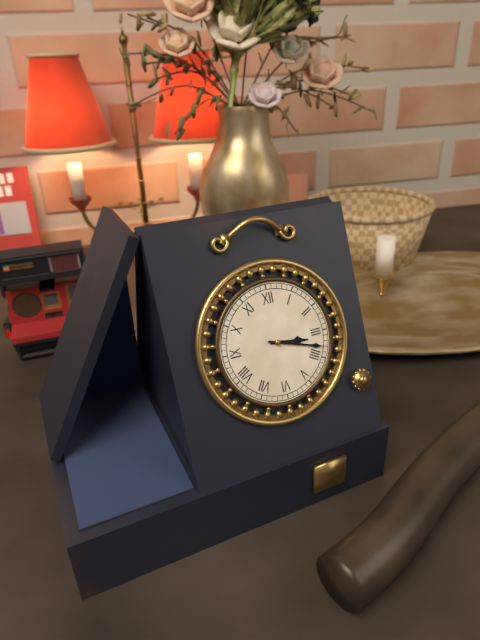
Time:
3:18
